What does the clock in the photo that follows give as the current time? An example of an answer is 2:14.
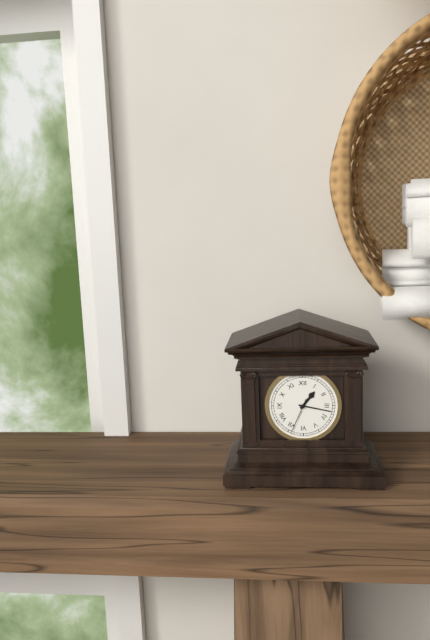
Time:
1:17
